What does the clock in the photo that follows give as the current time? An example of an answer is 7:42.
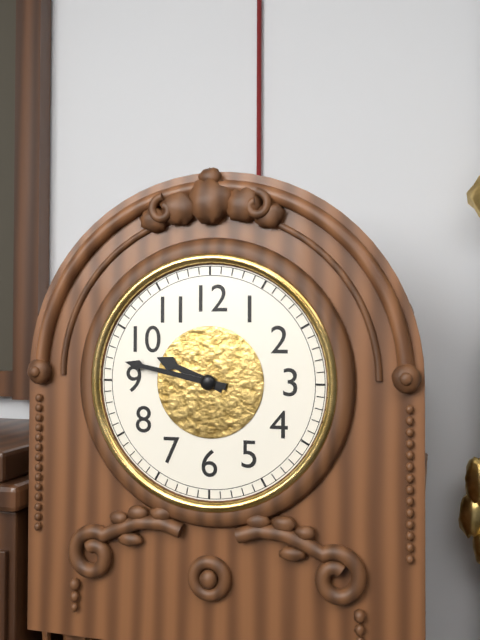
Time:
9:47
